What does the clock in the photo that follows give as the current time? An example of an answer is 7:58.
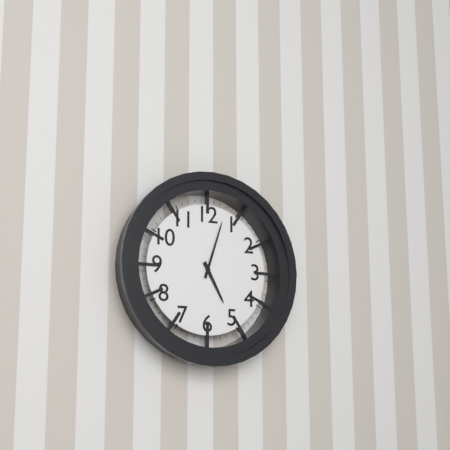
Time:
5:03
